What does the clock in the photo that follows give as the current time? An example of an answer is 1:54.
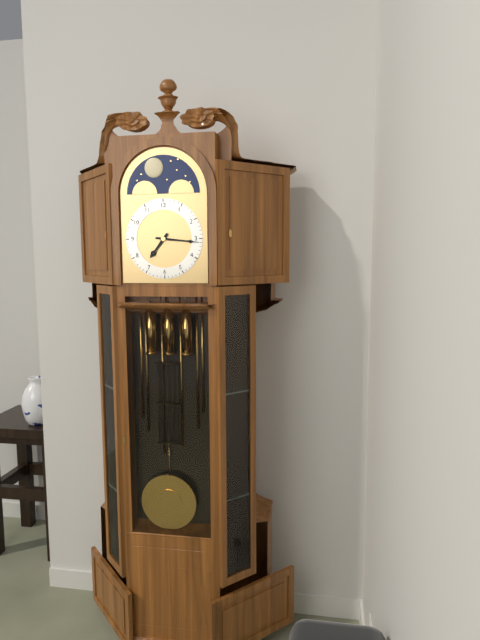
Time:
7:16
